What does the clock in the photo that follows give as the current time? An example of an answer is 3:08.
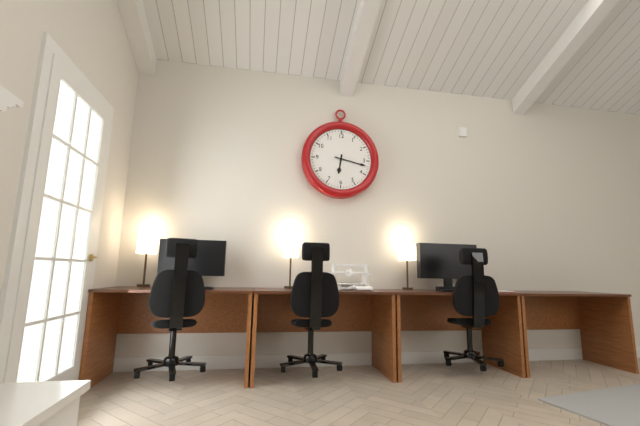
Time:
6:17
